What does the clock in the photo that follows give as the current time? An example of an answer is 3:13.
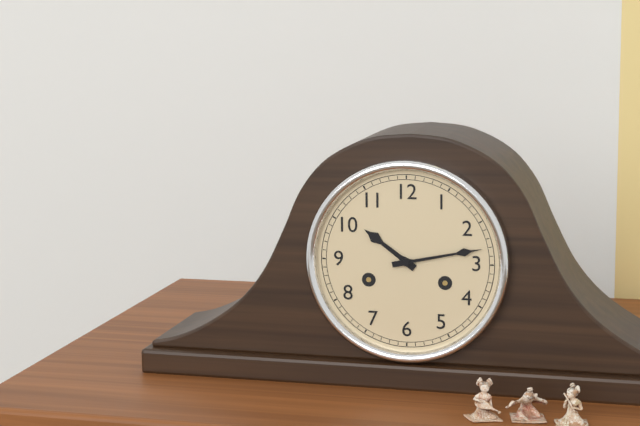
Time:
10:13
